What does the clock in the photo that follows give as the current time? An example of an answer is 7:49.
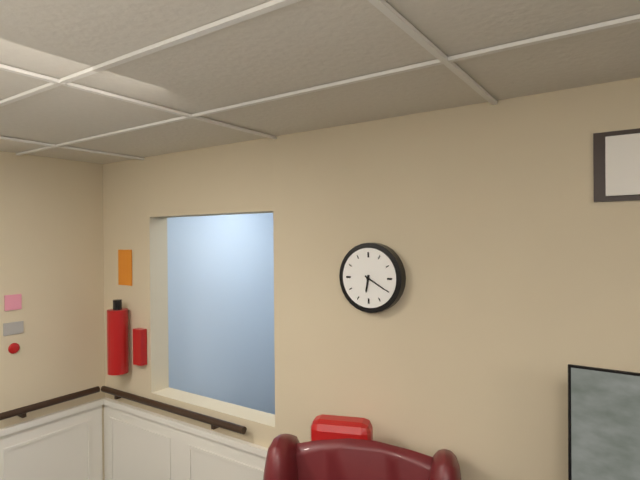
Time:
6:20
